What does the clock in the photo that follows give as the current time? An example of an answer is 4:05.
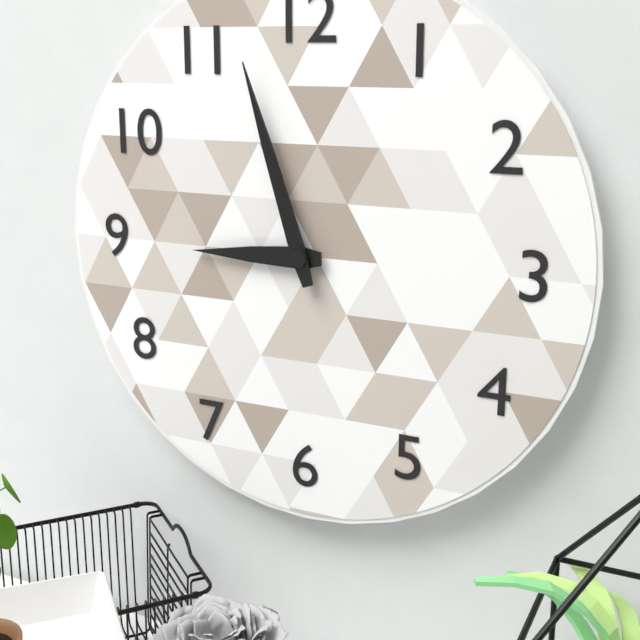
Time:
8:57
